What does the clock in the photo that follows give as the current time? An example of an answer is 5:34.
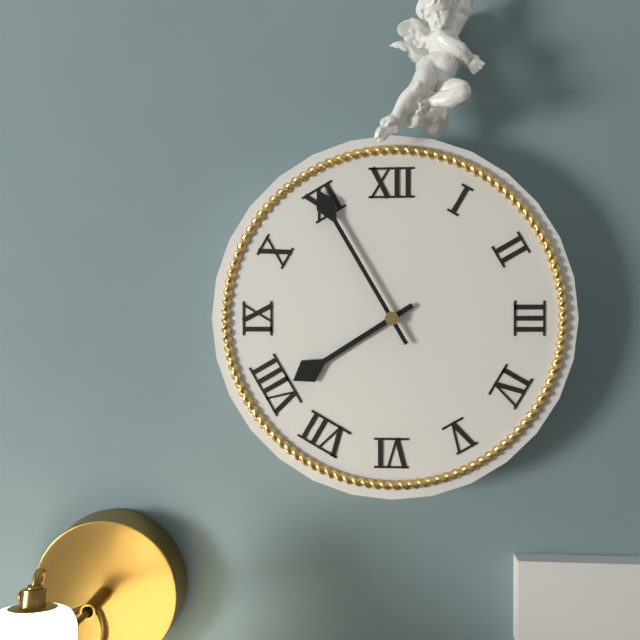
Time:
7:55
